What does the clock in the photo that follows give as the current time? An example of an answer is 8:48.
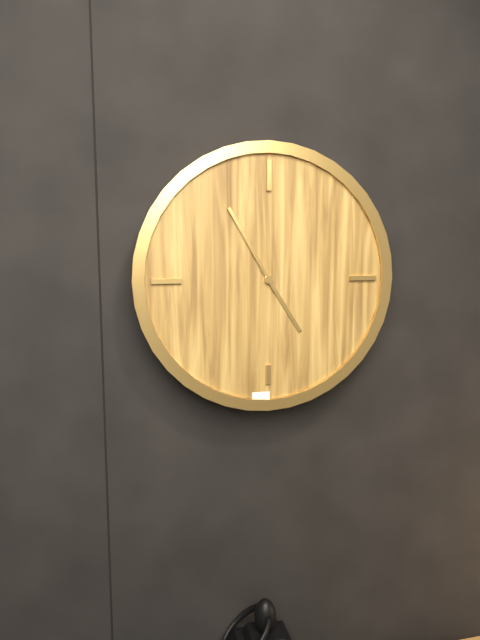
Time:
4:55
